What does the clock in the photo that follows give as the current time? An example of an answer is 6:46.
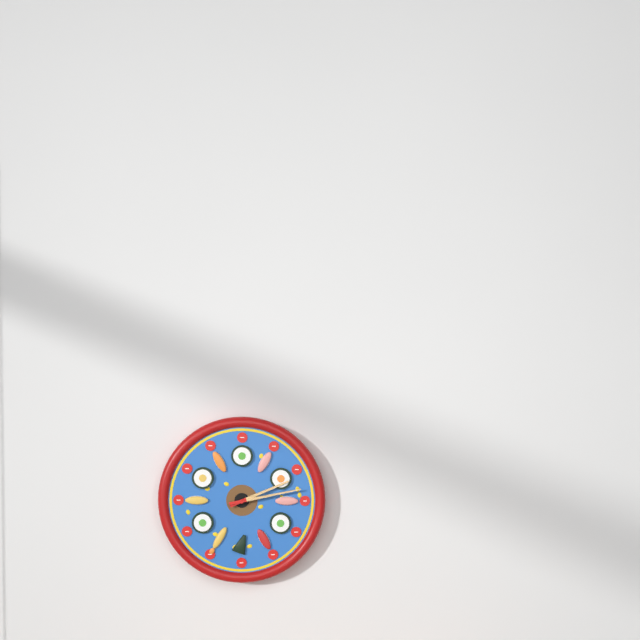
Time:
2:13
